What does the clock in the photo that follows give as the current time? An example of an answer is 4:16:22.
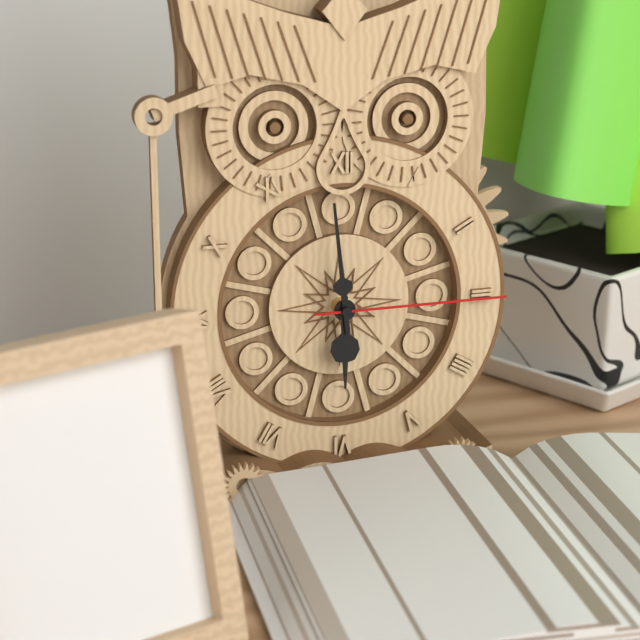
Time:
5:59:15
